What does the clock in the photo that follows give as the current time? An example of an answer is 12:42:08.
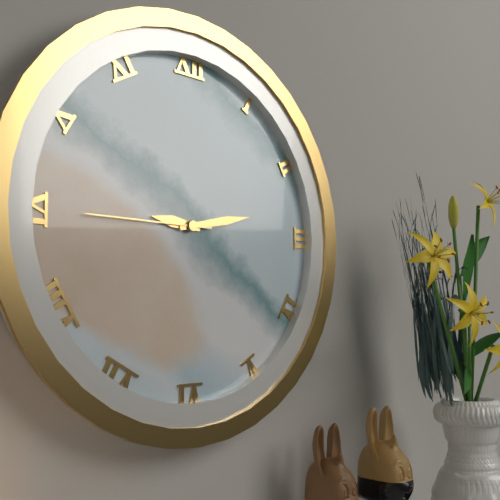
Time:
9:13:45
